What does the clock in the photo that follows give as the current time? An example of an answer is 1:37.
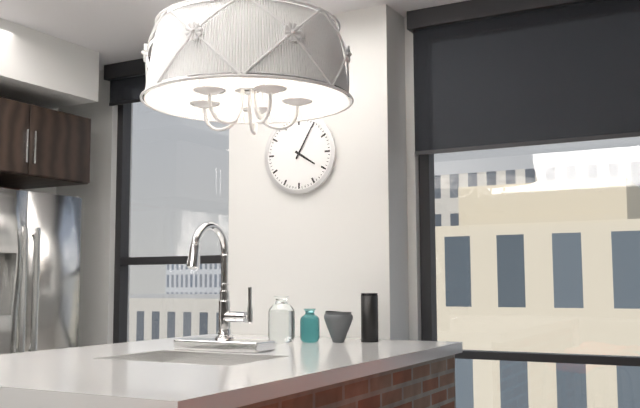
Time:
4:05
